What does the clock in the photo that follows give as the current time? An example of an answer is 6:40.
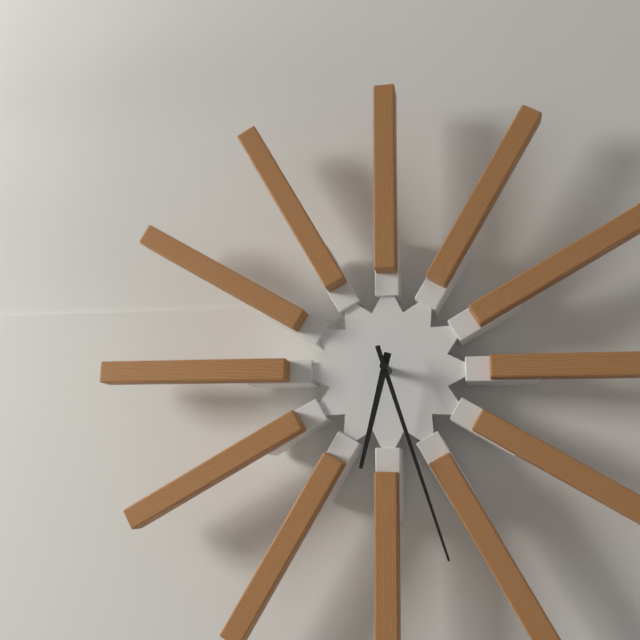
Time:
6:27
